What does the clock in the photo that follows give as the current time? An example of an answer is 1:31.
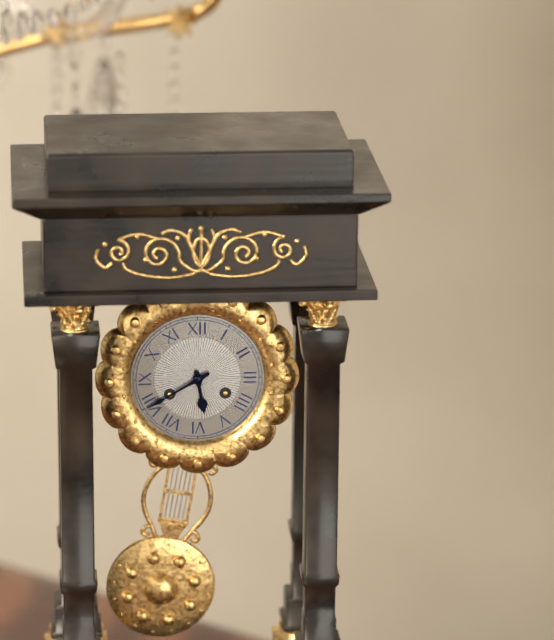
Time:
5:40
